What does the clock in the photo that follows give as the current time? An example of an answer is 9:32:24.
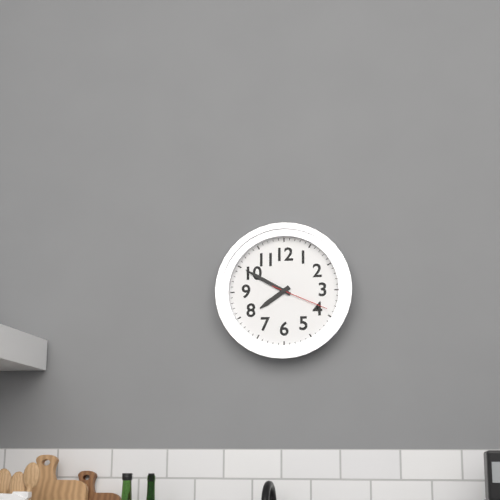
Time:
7:50:19
